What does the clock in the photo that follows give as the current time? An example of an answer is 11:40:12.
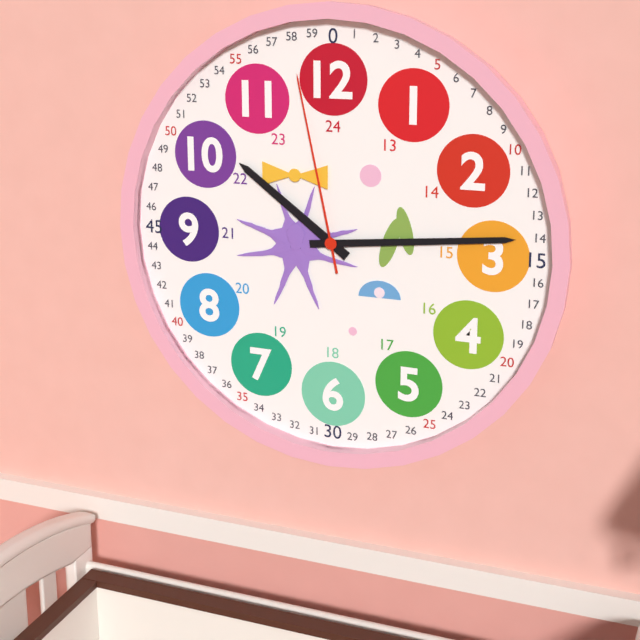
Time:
10:14:58
